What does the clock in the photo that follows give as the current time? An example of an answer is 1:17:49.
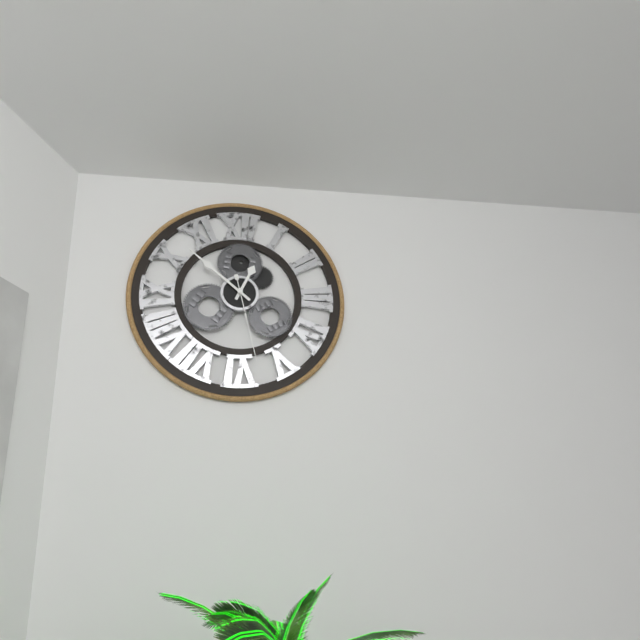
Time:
12:52:28
